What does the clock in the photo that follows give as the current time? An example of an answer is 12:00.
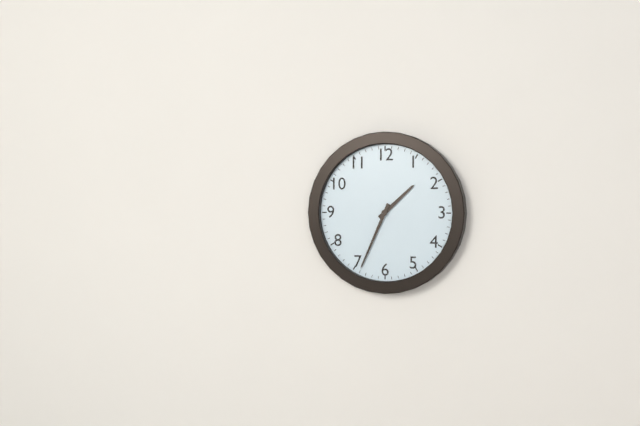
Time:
1:34
